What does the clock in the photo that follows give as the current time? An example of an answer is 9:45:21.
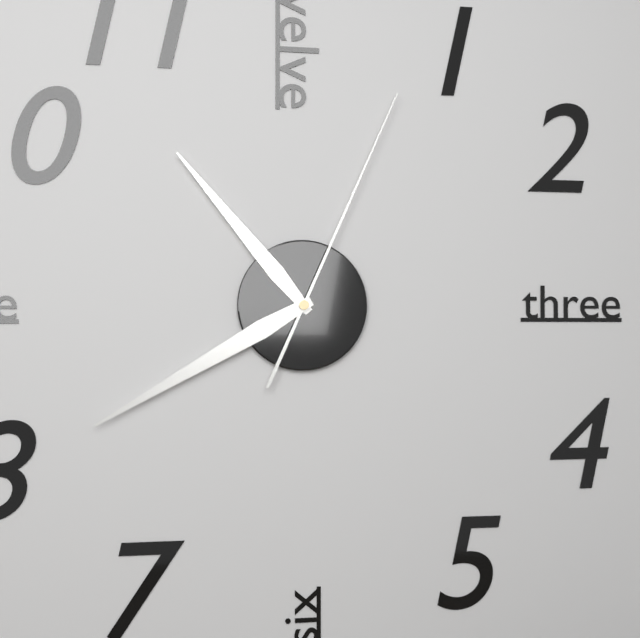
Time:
10:40:04
